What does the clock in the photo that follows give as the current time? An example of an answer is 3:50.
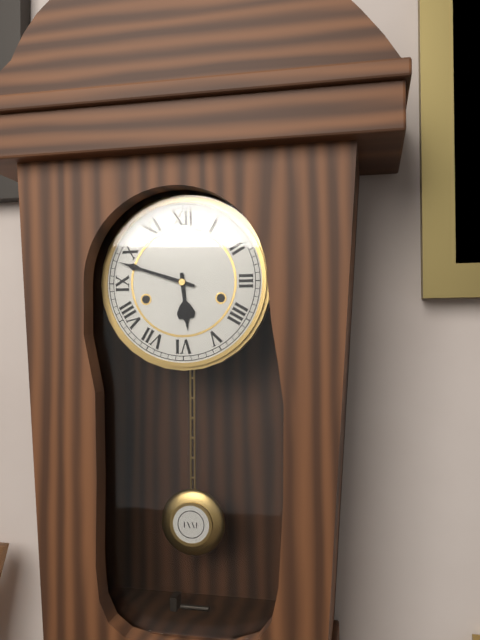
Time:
5:48
